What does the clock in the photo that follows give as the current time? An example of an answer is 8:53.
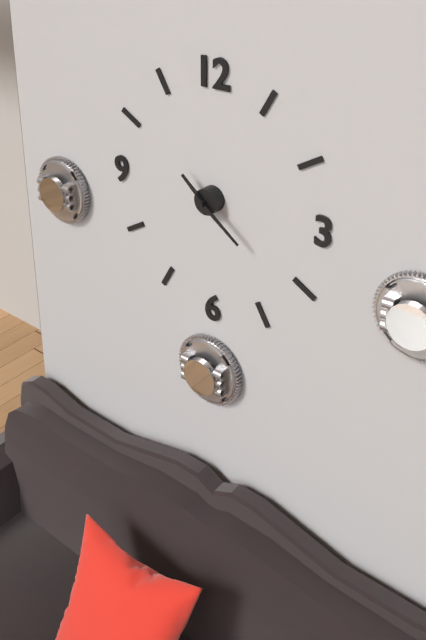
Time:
10:21
